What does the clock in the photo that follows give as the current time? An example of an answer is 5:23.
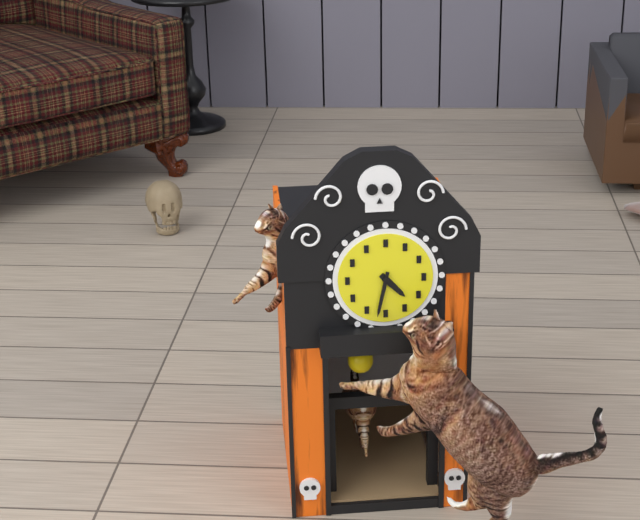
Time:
4:32
